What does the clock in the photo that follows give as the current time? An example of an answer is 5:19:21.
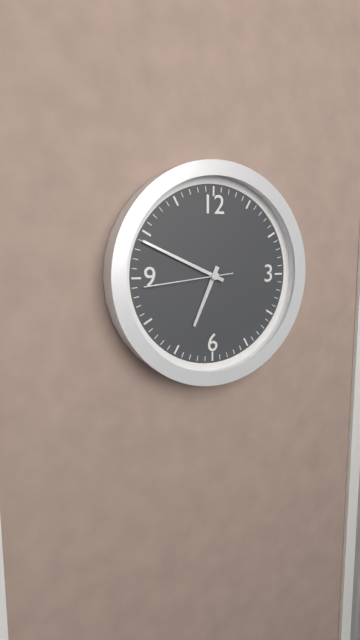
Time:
6:49:44
